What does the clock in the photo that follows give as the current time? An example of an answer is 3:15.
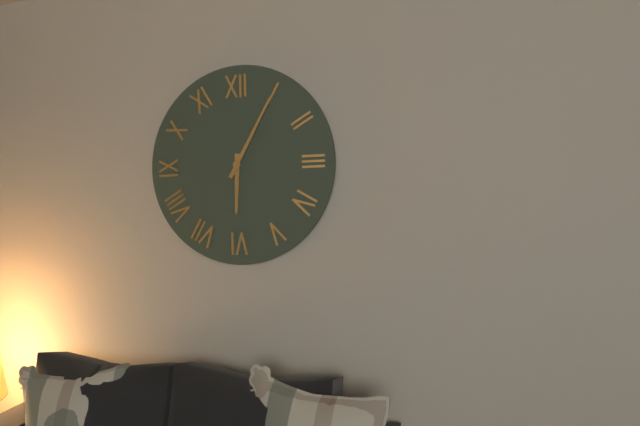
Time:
6:05
